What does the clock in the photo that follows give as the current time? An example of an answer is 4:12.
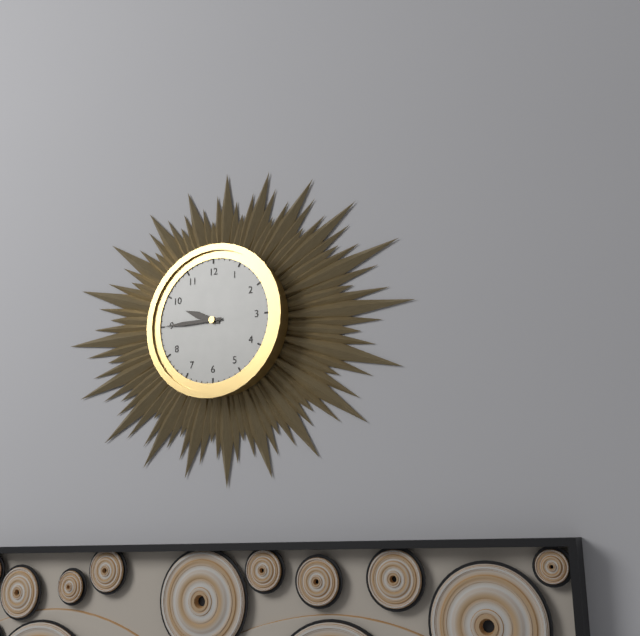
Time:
9:45
